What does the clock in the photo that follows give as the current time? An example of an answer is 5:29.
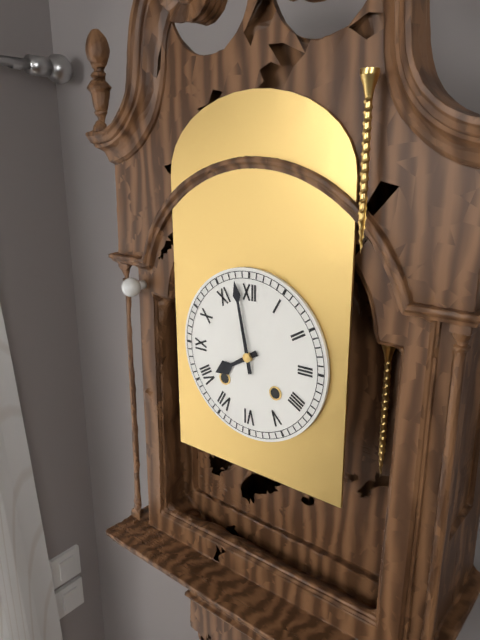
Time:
7:58
